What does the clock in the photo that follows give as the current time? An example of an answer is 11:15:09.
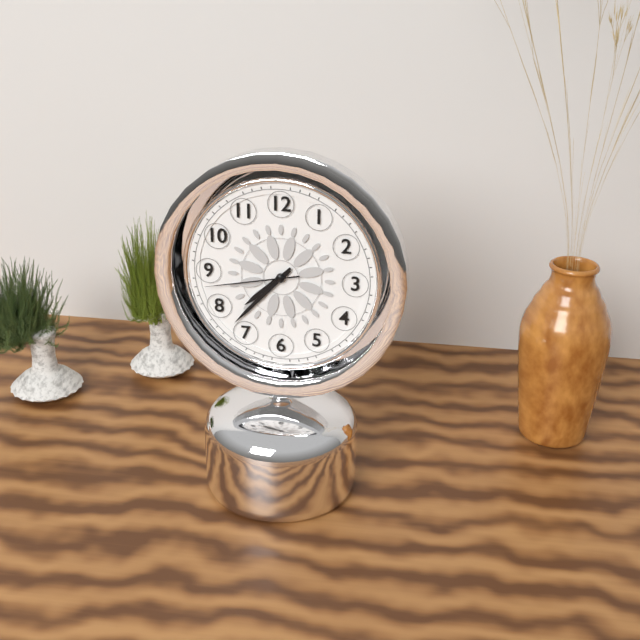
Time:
7:37:43
